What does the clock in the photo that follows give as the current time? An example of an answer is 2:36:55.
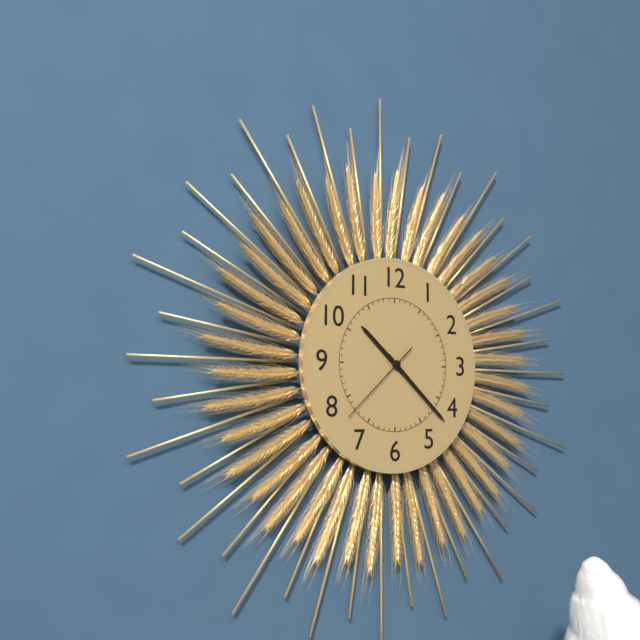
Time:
10:22:38
